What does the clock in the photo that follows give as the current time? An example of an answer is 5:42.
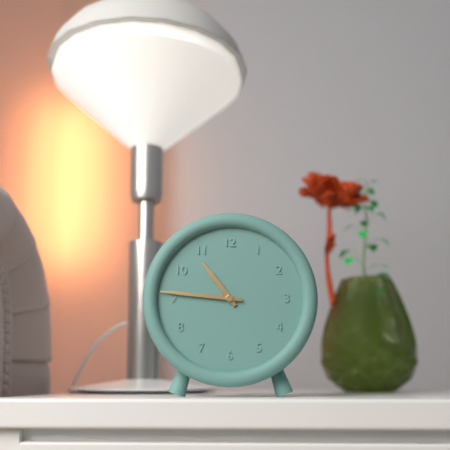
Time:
10:46
